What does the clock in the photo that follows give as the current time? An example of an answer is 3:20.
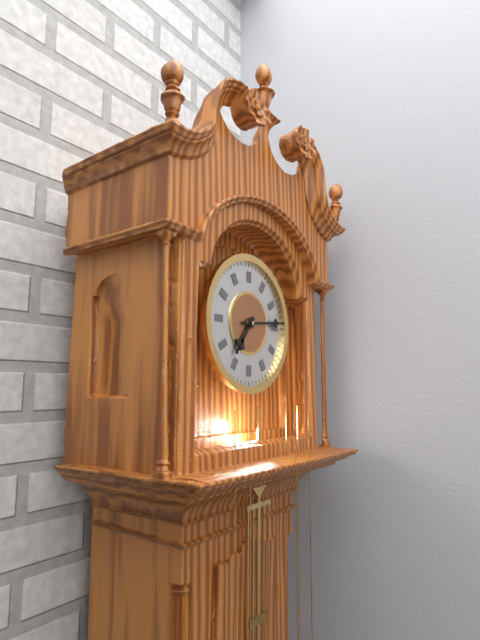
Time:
7:14
